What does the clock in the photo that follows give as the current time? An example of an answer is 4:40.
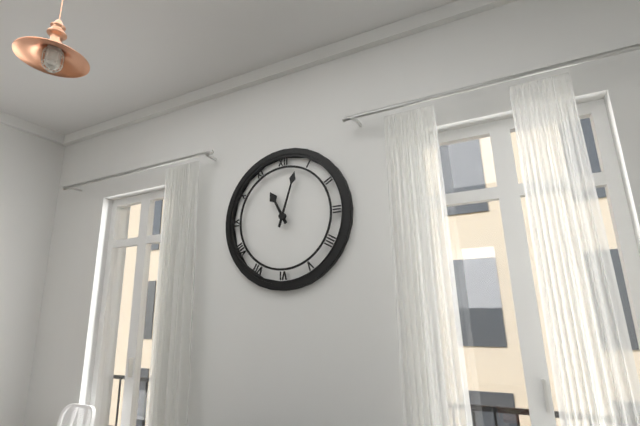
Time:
11:03
